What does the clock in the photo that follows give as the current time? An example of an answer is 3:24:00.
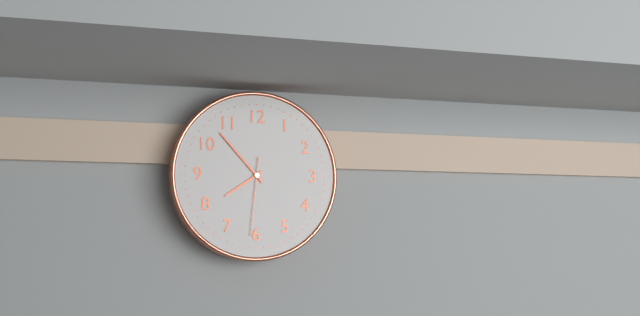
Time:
7:53:31
